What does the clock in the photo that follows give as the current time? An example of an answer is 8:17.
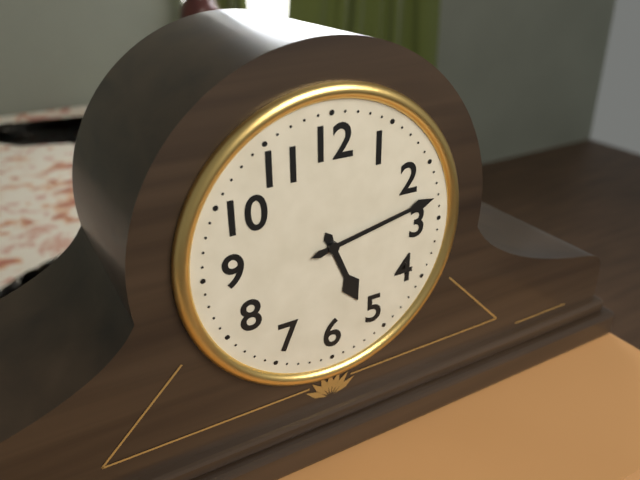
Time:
5:13
